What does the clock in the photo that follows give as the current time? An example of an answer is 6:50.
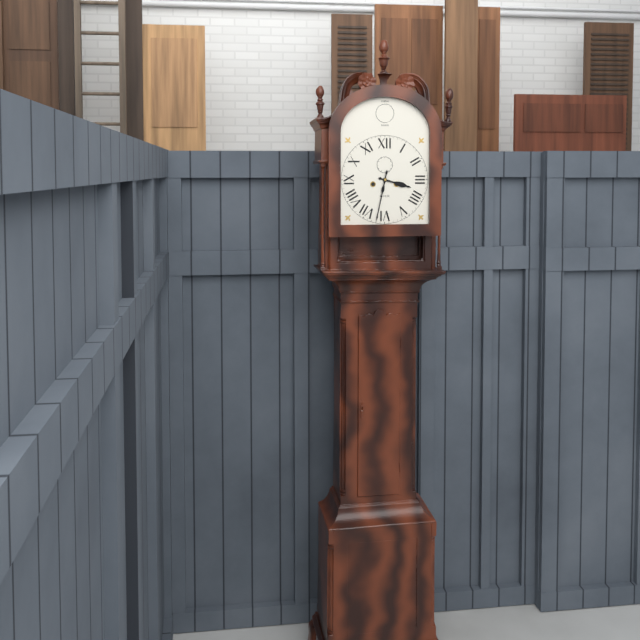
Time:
3:32
